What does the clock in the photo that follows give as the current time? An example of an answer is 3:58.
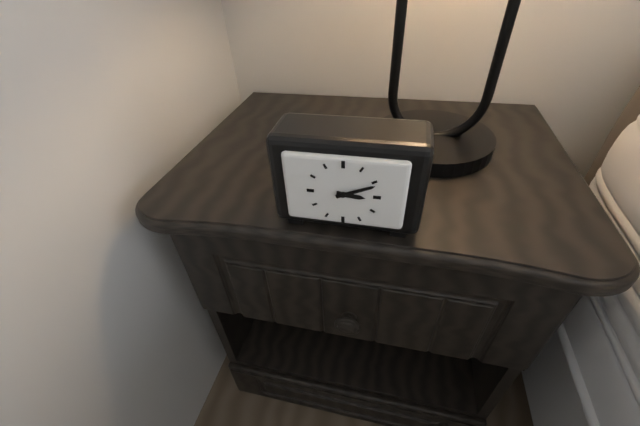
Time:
3:11
